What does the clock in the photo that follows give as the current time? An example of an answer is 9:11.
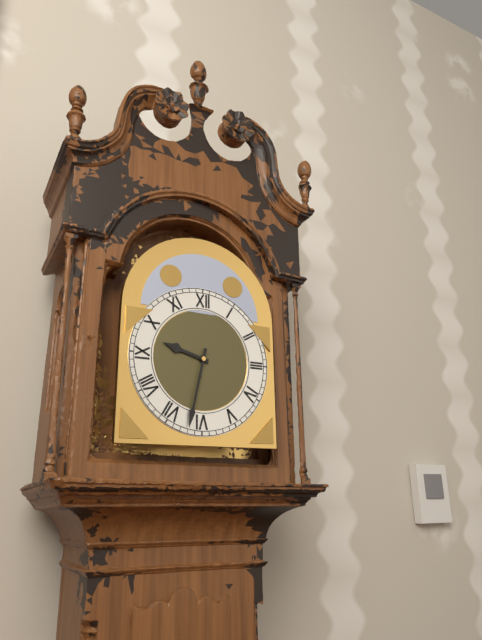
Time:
9:32
